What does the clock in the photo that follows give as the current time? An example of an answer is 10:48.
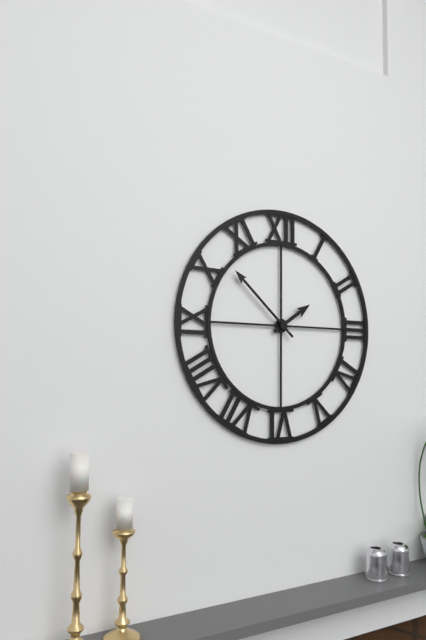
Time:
1:52
